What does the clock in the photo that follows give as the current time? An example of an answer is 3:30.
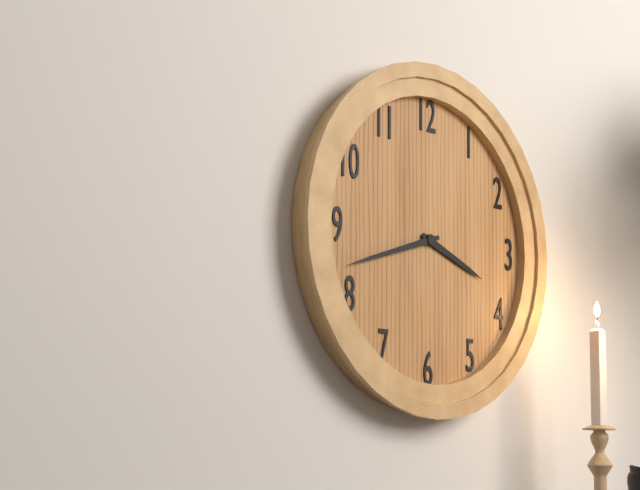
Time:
3:42
